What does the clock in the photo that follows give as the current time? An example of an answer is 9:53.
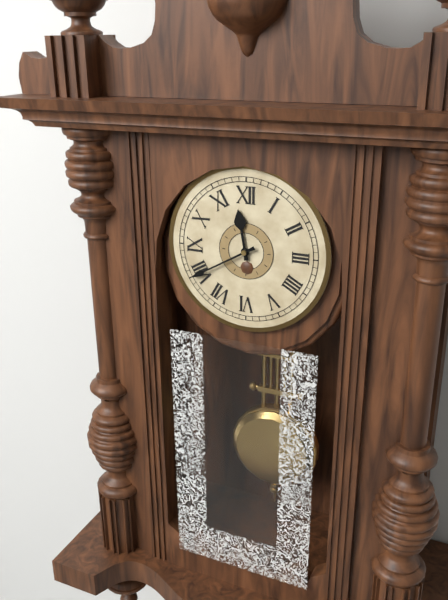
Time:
11:40
